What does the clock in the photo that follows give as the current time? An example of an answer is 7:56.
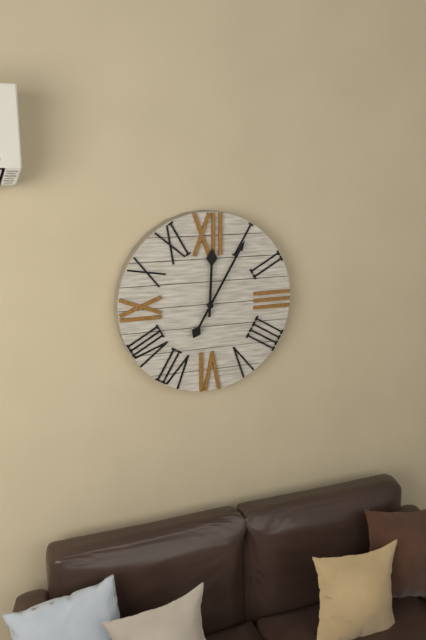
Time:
12:05
